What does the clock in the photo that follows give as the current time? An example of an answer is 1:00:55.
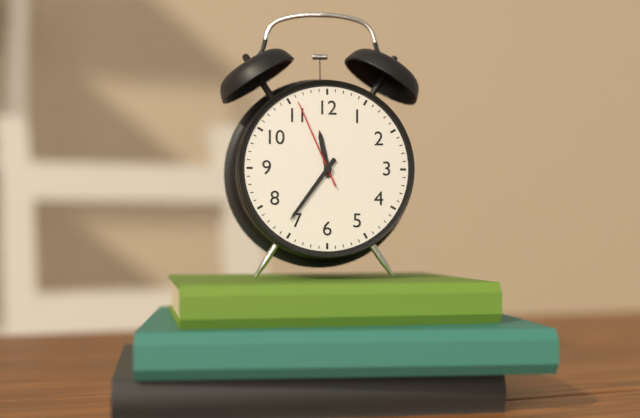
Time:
11:36:56
